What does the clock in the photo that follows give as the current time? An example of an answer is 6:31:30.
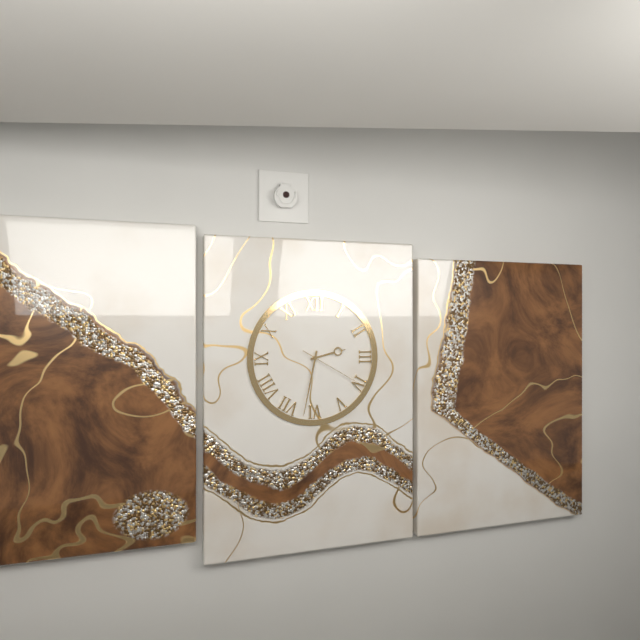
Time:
2:32:20
